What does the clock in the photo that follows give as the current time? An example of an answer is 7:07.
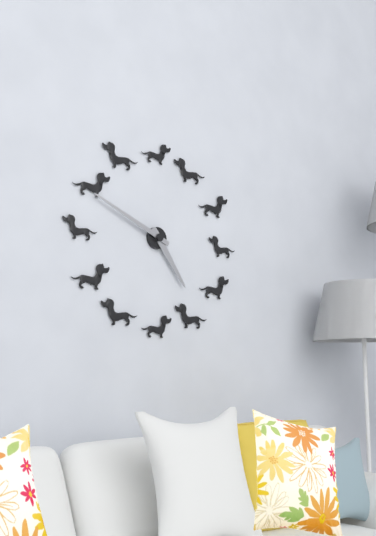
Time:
4:49
